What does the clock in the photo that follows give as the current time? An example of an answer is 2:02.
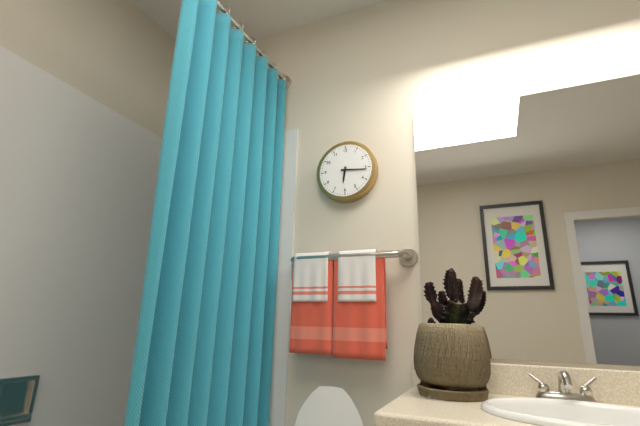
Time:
6:16
